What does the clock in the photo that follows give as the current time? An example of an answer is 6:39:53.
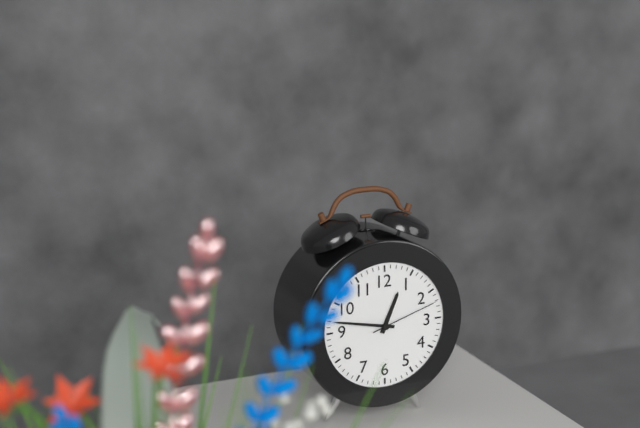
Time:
12:47:12
